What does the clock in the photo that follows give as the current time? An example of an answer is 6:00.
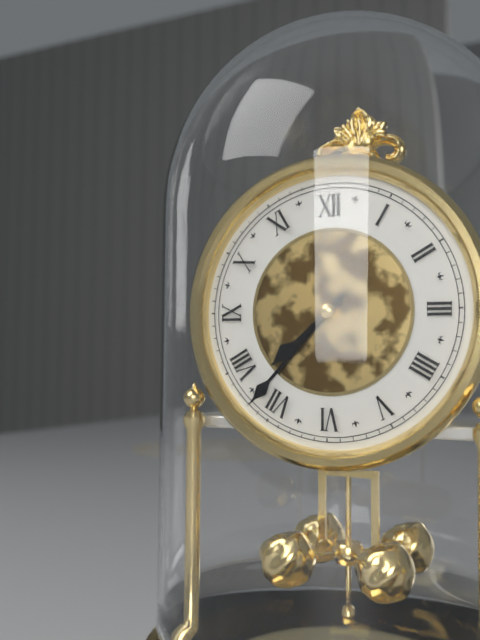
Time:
7:37
